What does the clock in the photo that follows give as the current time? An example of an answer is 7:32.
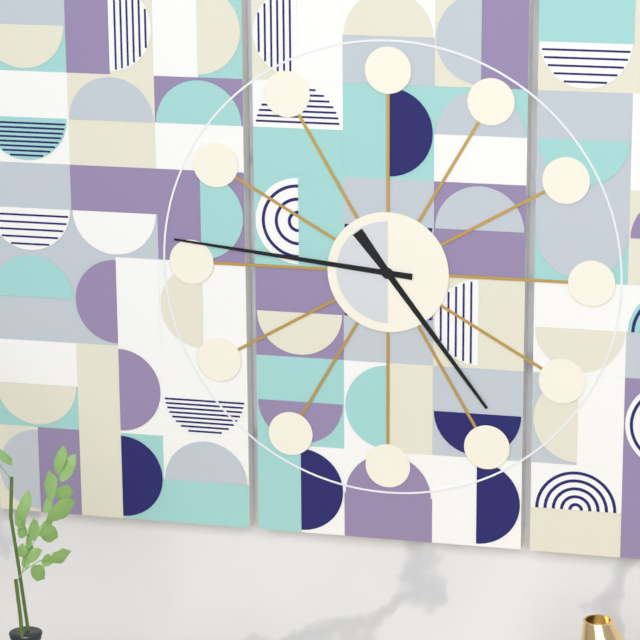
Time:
4:46
